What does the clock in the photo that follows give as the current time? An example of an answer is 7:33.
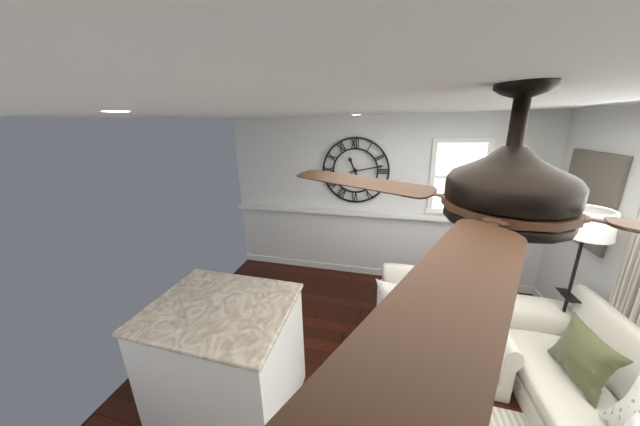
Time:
11:13
